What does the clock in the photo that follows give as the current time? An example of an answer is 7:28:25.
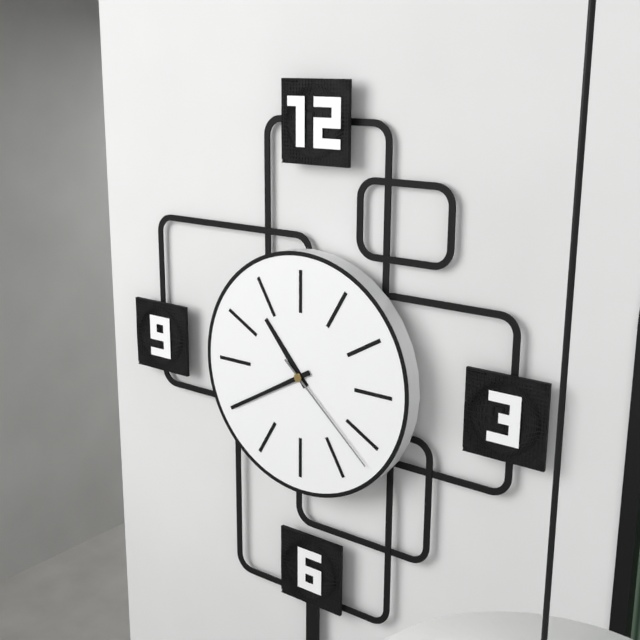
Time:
10:40:22
